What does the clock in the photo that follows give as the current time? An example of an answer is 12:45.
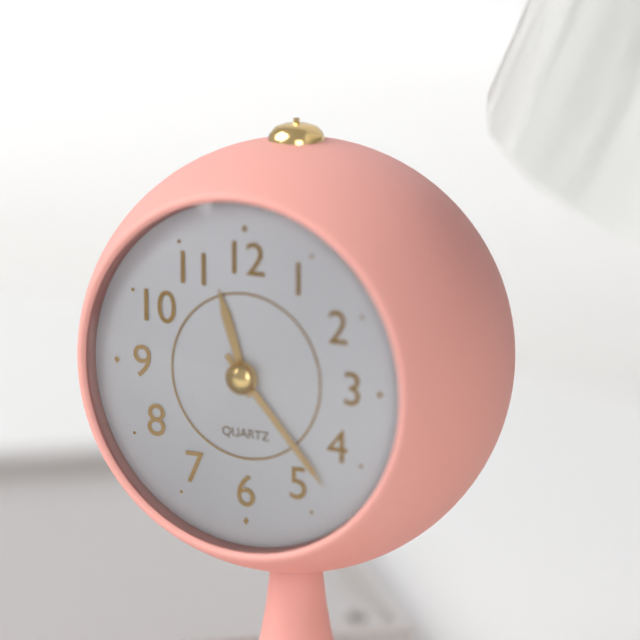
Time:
11:23
